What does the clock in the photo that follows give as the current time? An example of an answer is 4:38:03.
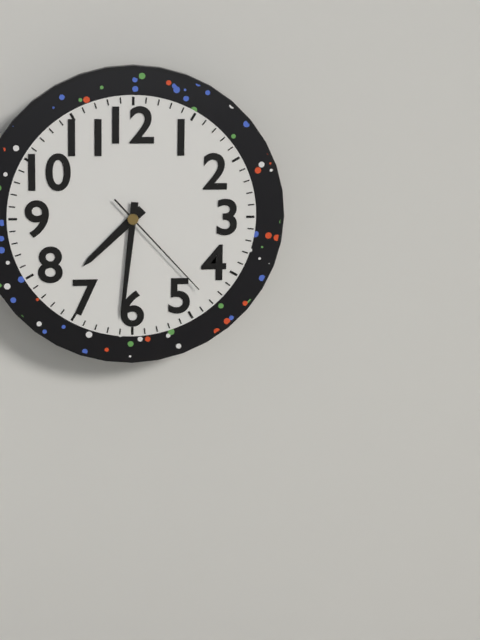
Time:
7:31:23
